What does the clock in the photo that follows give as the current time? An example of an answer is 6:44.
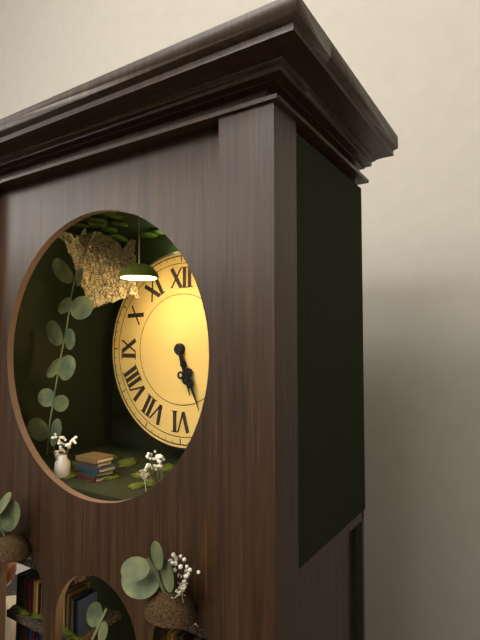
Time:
5:26
